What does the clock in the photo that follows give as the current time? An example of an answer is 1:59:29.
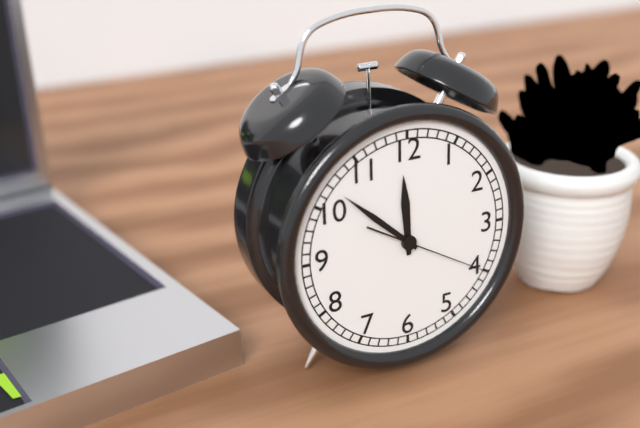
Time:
11:52:20
